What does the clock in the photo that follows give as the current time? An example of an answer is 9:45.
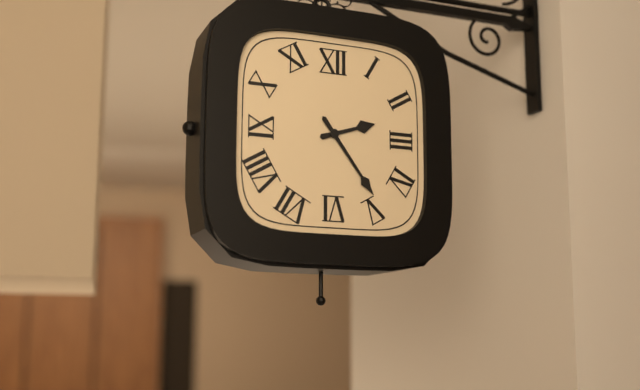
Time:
2:24
